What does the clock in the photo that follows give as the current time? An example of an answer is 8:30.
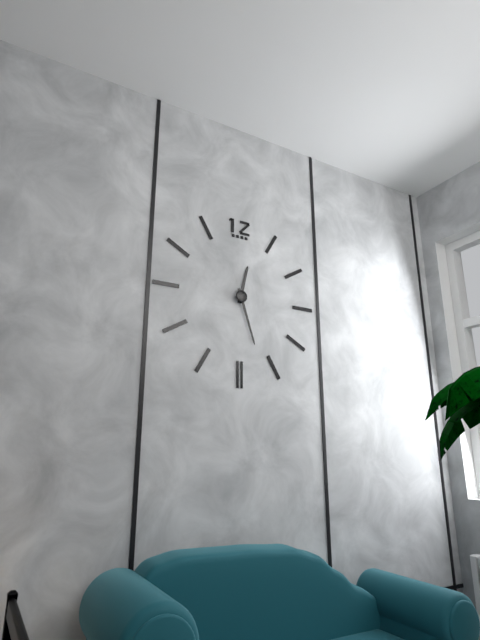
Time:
12:27
